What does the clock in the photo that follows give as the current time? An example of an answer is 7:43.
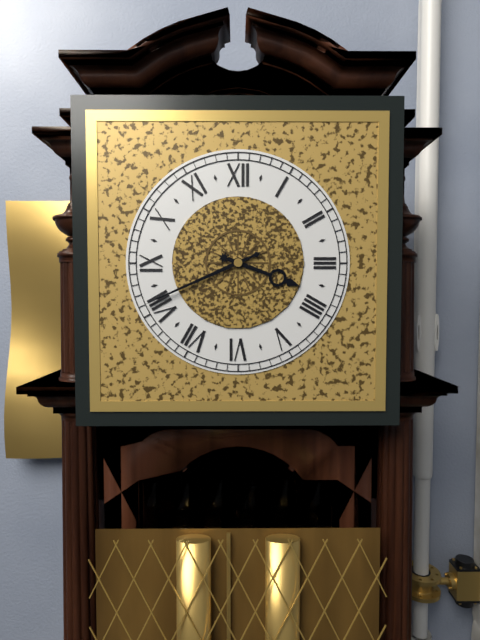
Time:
3:41
